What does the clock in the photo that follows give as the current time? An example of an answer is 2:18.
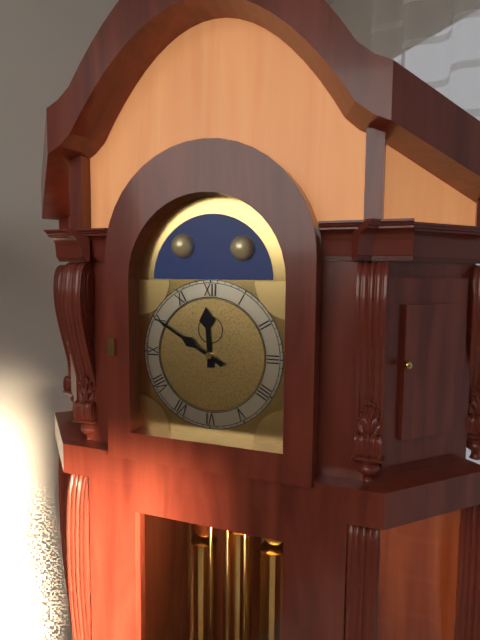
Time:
11:50
